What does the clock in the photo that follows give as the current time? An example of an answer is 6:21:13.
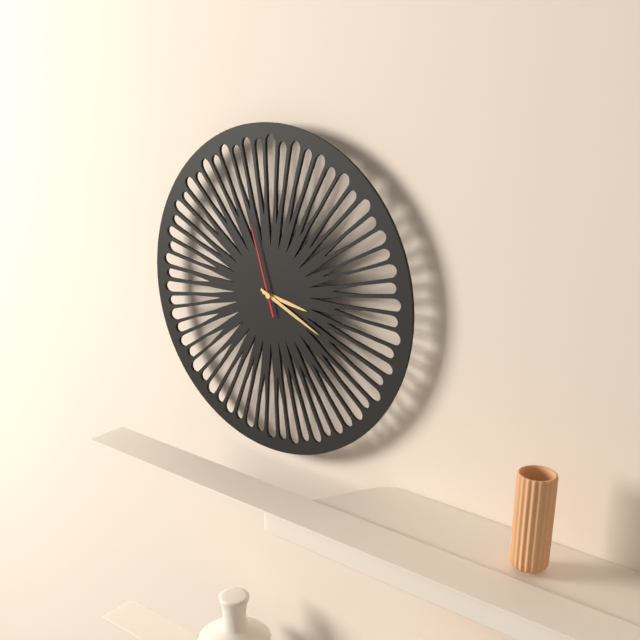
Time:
3:19:57
